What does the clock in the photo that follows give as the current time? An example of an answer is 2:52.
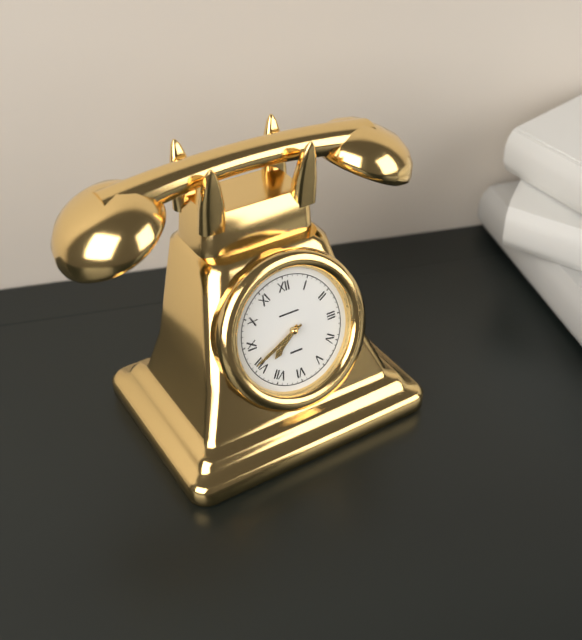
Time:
7:41
